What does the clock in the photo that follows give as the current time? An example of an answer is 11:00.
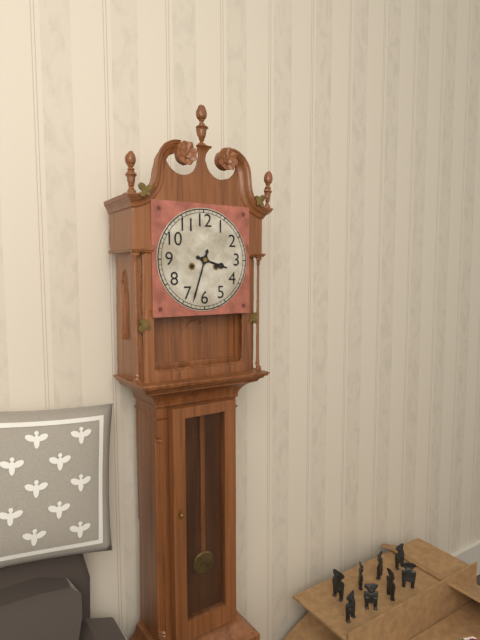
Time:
3:33
